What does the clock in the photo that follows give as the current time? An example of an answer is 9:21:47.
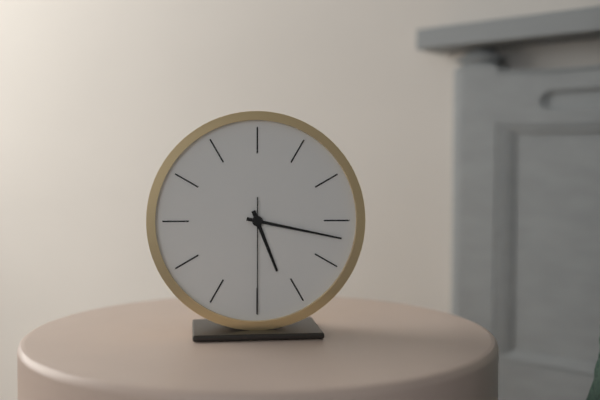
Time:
5:17:30
